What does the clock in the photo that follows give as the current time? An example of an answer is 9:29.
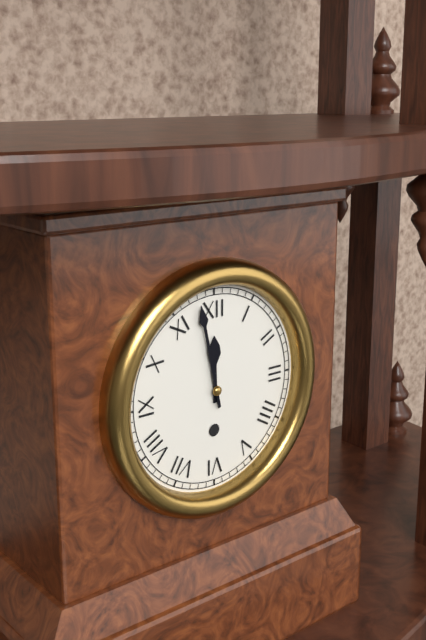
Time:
11:58
